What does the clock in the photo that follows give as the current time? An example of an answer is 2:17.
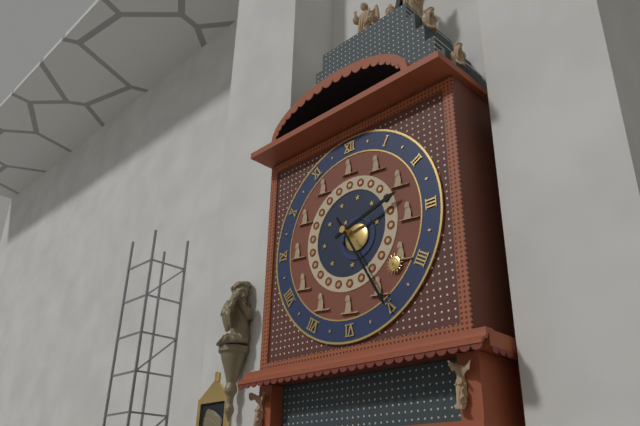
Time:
2:25
